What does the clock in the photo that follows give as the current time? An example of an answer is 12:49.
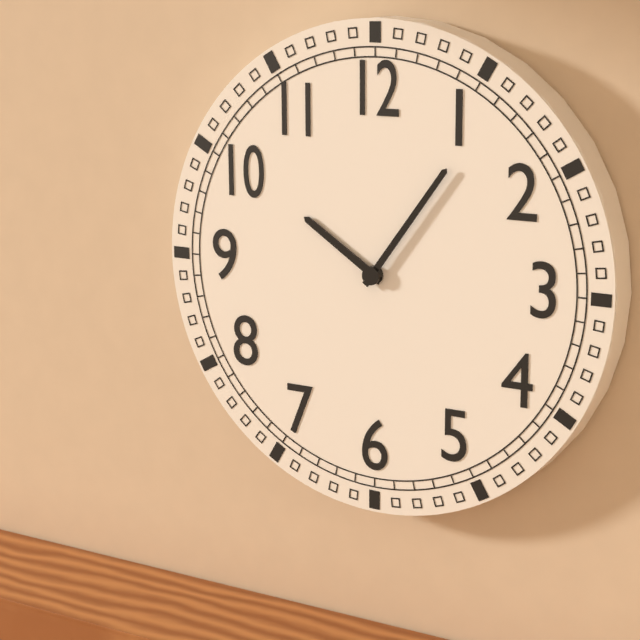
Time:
10:06
